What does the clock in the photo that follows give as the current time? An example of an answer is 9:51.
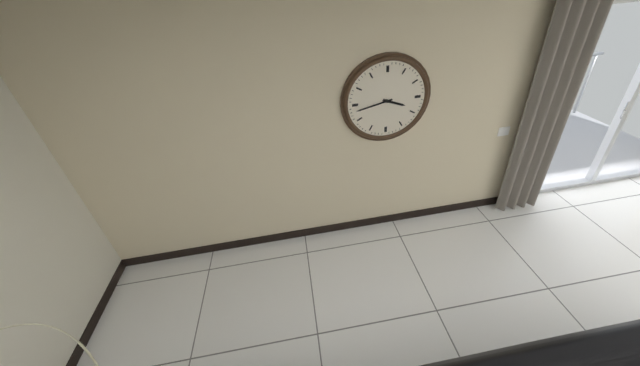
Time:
3:43
